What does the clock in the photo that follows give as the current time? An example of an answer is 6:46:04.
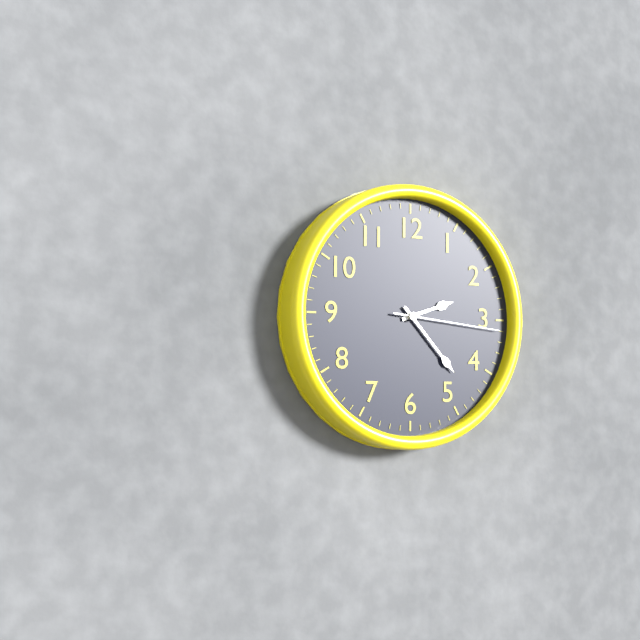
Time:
2:23:16
